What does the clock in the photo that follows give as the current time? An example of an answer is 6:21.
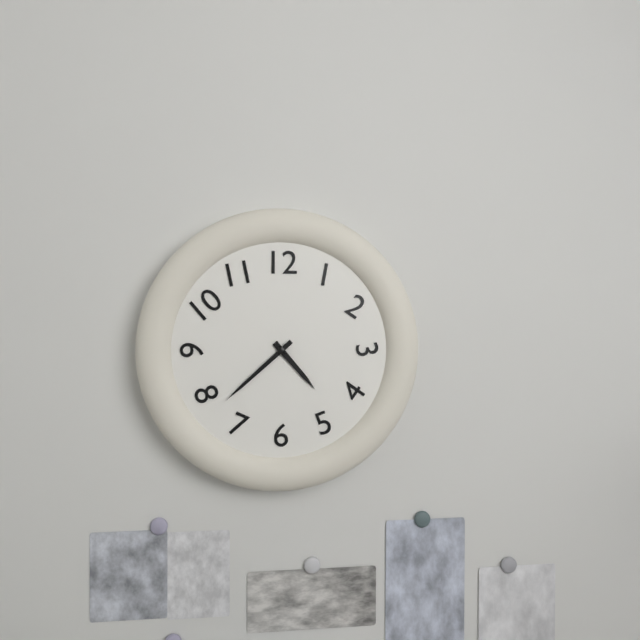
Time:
4:38
